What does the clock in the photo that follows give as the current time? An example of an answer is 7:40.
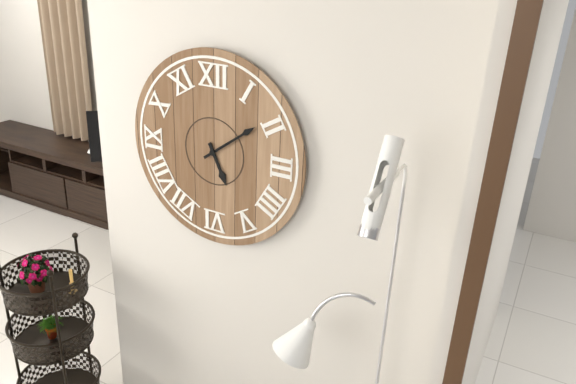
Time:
5:09
